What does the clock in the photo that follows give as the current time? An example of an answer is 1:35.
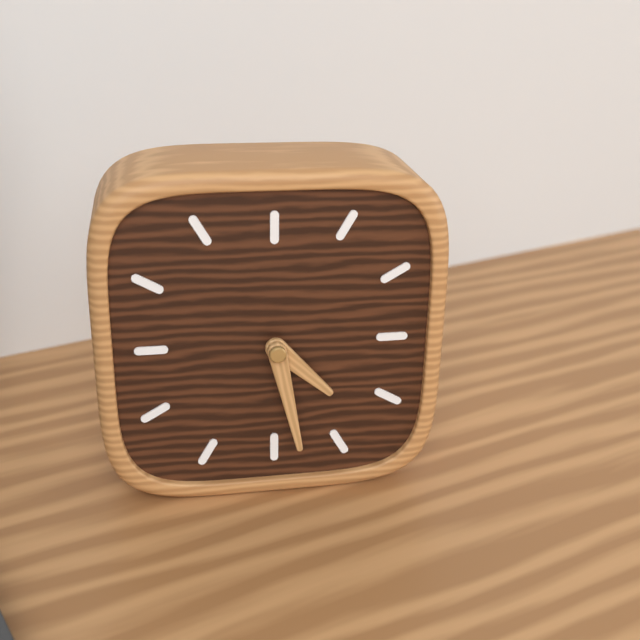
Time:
4:28
